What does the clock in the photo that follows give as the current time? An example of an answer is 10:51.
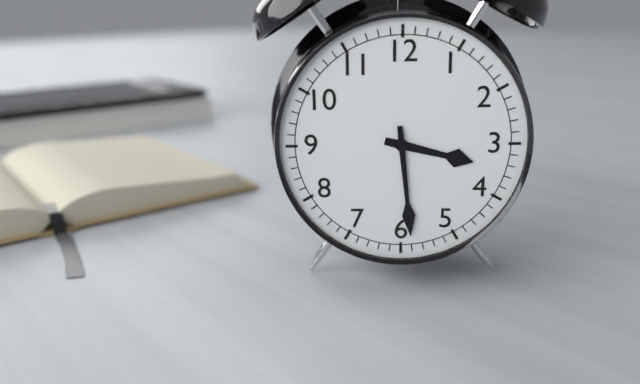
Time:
3:29
